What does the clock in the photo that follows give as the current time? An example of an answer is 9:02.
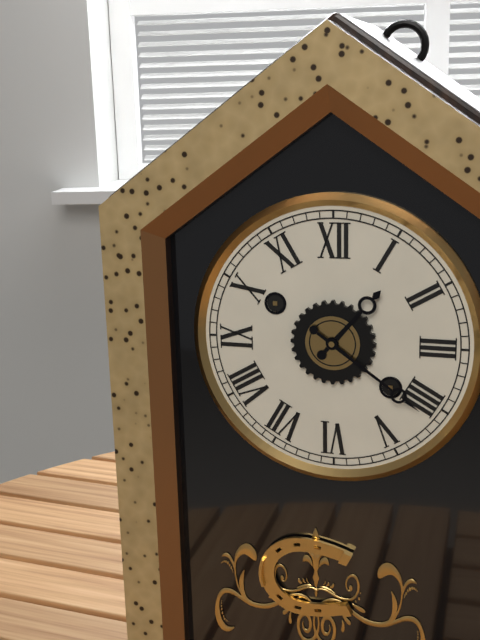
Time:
1:21
